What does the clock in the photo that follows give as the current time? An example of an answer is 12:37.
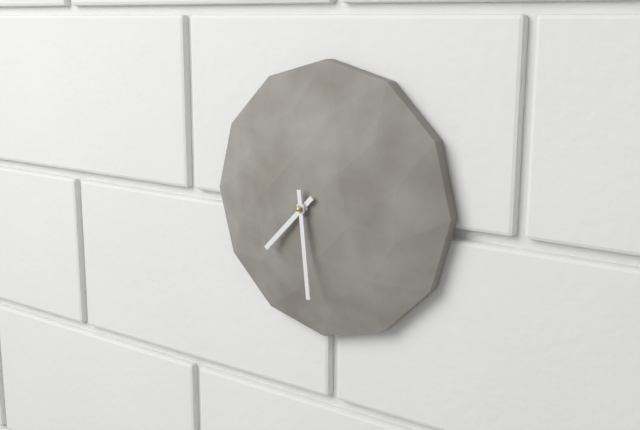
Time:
7:29
